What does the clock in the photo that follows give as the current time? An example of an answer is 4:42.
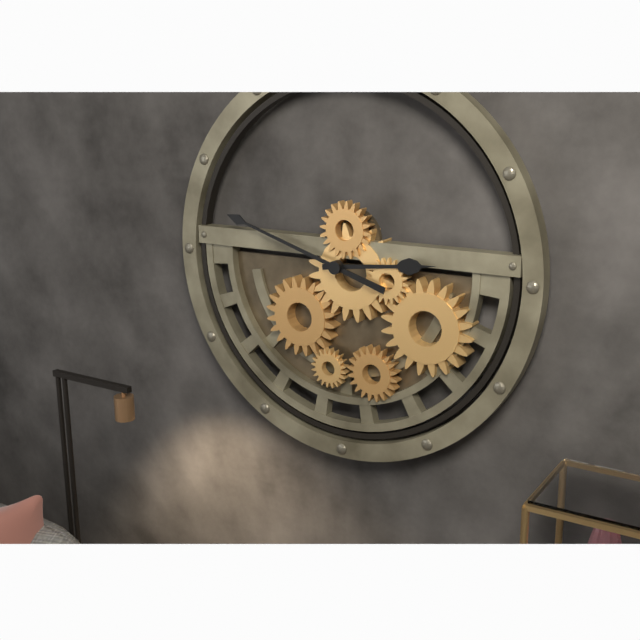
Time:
2:48
